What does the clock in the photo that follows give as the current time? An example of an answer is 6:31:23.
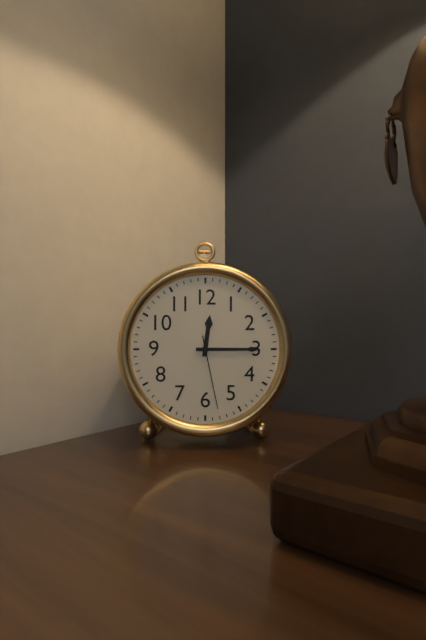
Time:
12:15:28
